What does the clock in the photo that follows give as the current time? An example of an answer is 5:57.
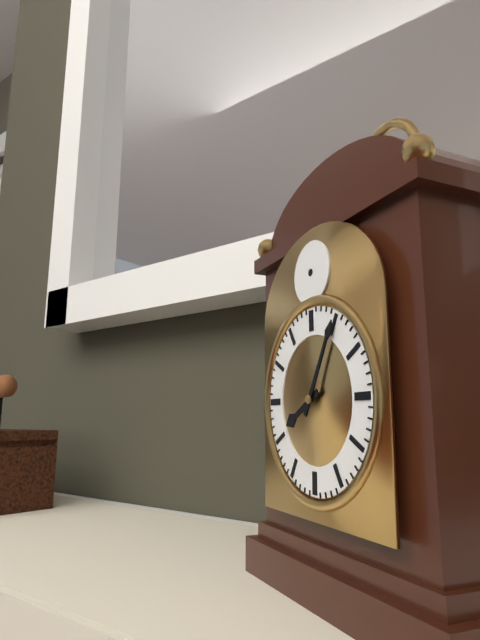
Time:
8:05
